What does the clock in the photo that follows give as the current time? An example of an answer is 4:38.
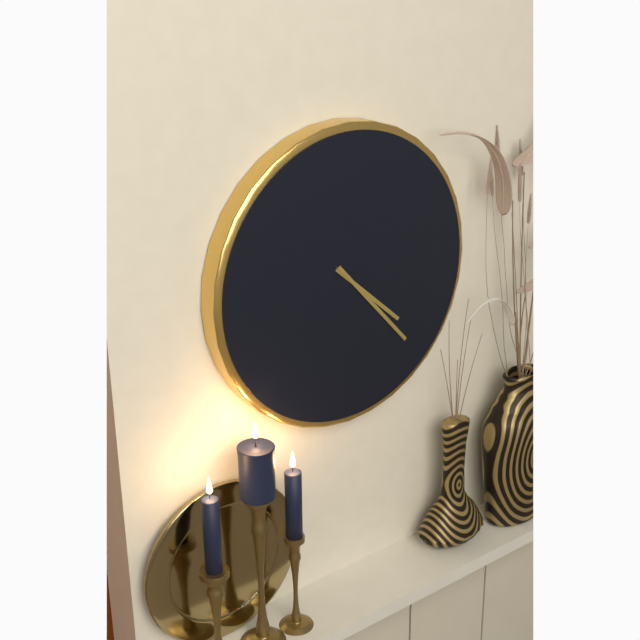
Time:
4:23
